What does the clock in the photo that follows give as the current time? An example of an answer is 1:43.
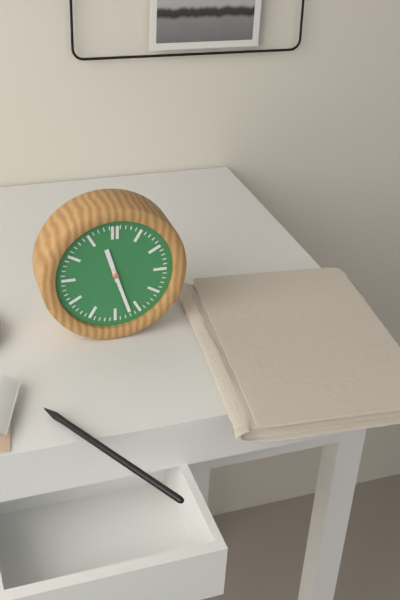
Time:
11:27
